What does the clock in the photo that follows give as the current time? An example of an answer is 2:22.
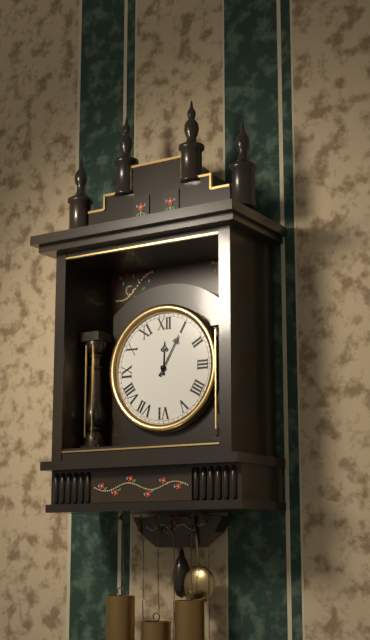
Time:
12:05
